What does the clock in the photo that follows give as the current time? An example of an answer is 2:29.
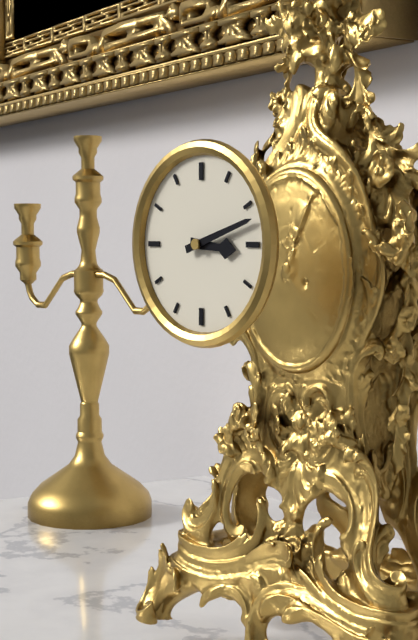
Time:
3:12
